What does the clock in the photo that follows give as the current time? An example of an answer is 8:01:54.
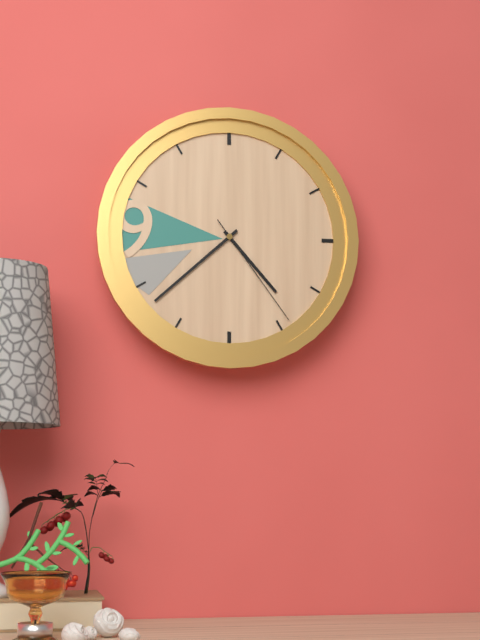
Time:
4:38:24
